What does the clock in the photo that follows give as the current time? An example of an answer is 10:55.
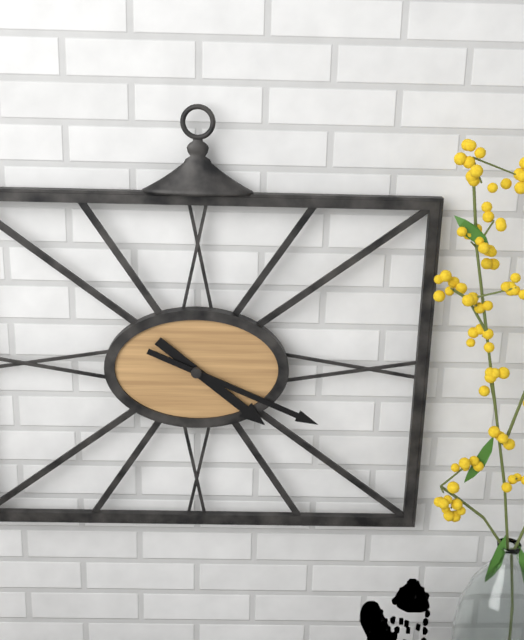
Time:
4:19
